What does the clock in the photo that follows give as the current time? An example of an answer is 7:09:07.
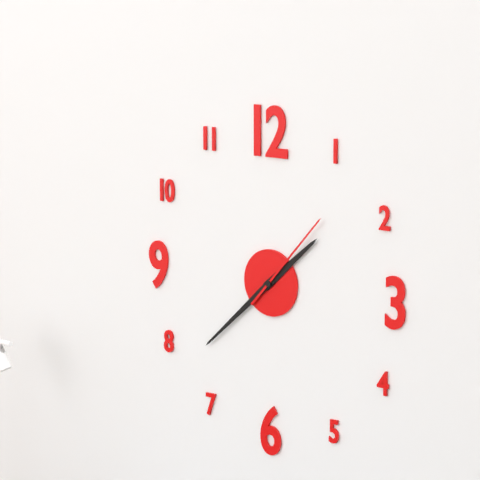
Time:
1:38:07
